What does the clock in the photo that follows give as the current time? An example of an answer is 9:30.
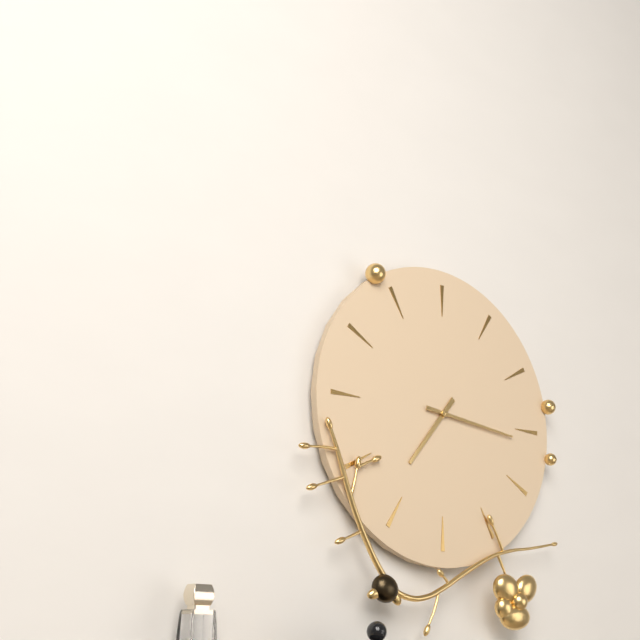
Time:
7:16
